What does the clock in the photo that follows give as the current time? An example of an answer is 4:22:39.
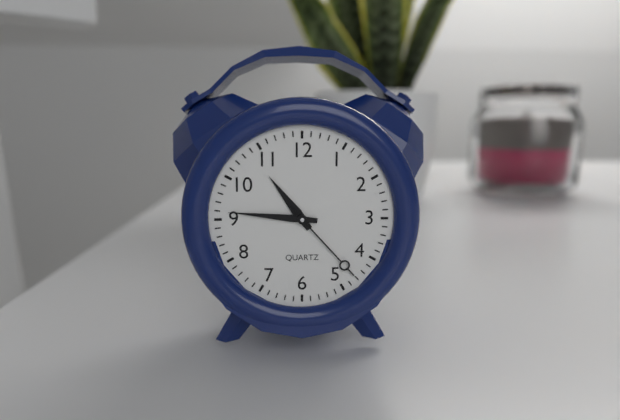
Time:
10:46:23
